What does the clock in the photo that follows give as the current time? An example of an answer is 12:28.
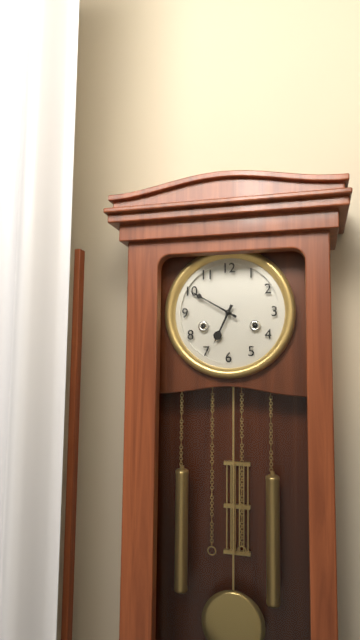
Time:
6:50
